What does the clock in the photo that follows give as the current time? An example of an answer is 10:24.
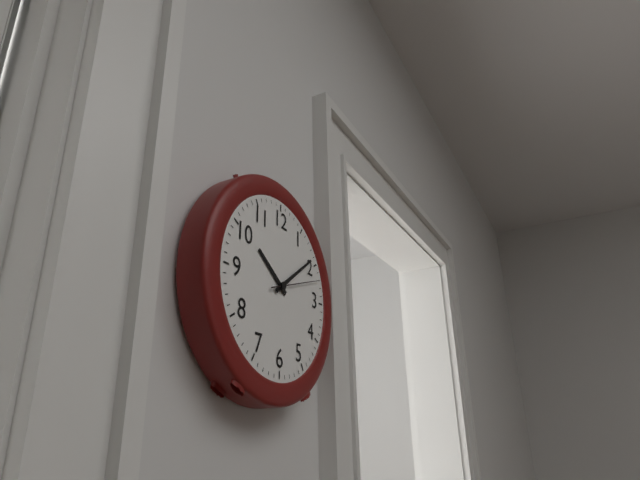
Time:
10:09
